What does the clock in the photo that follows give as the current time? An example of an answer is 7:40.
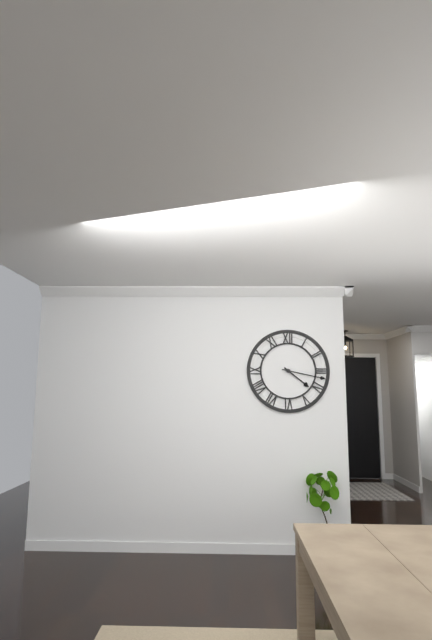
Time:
4:17
